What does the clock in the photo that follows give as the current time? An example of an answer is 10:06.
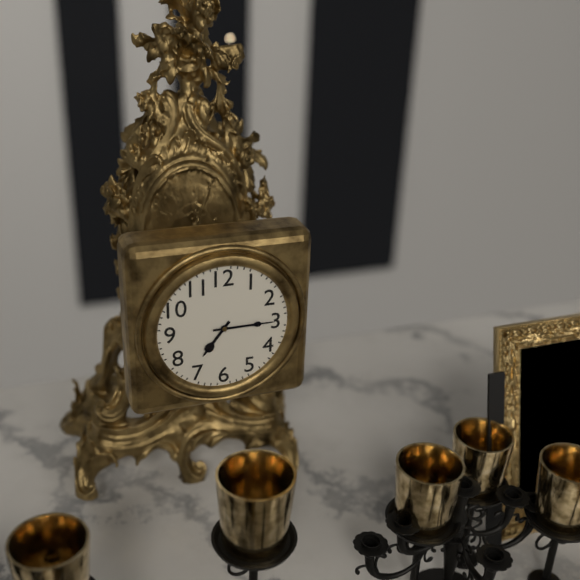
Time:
7:15
